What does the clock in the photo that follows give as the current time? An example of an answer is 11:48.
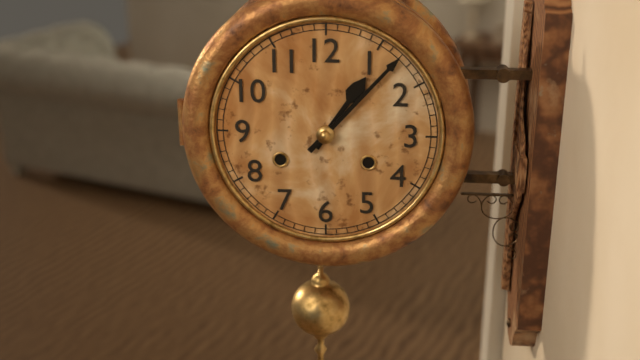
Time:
1:07
